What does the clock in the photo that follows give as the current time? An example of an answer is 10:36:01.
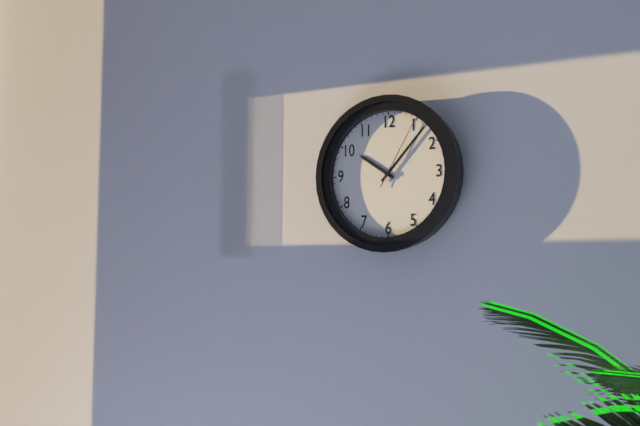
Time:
10:07:05
